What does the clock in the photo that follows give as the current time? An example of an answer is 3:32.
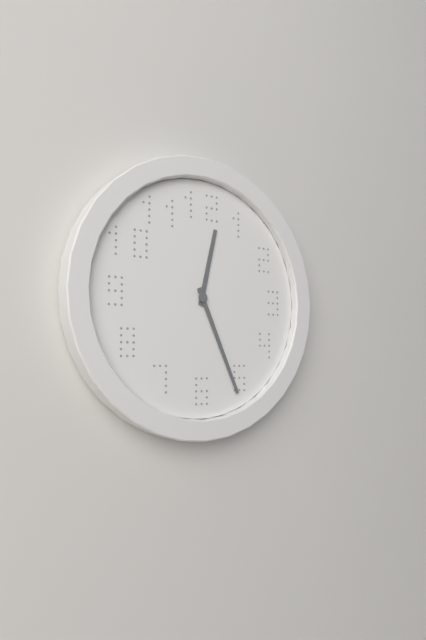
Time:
12:26
